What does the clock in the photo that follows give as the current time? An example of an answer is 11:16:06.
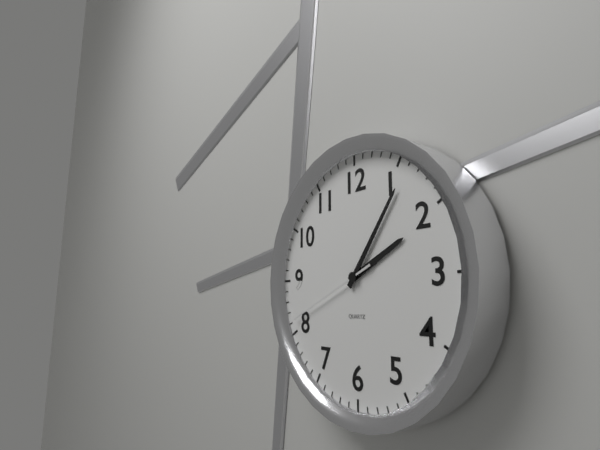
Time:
2:06:41
